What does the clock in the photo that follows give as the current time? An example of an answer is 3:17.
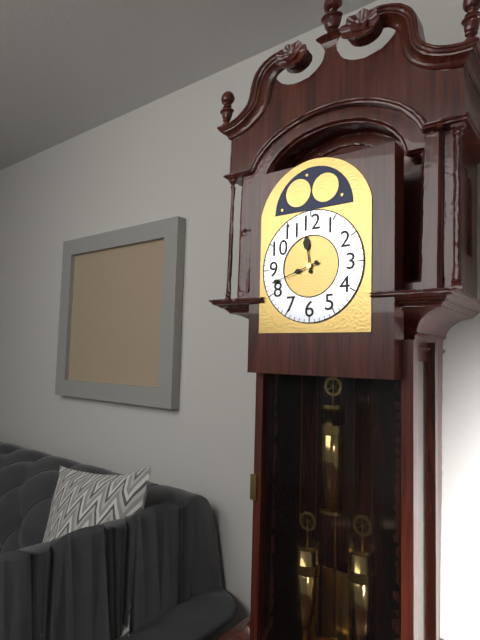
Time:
11:42
